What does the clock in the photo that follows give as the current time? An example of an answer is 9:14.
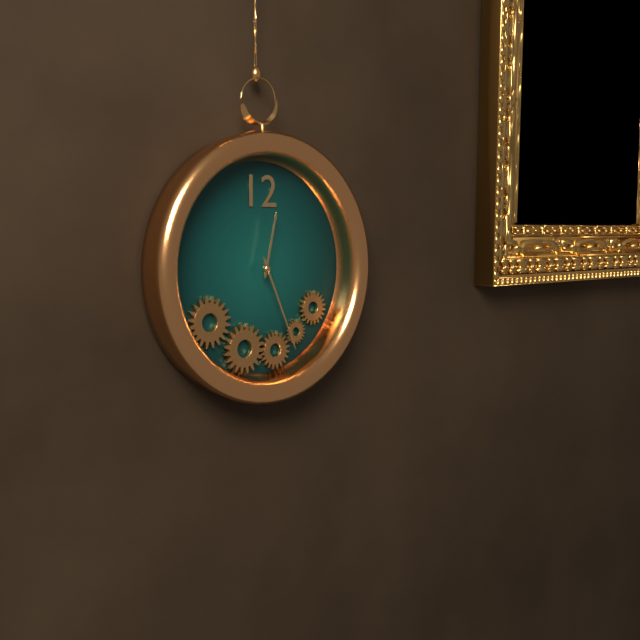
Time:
12:26
